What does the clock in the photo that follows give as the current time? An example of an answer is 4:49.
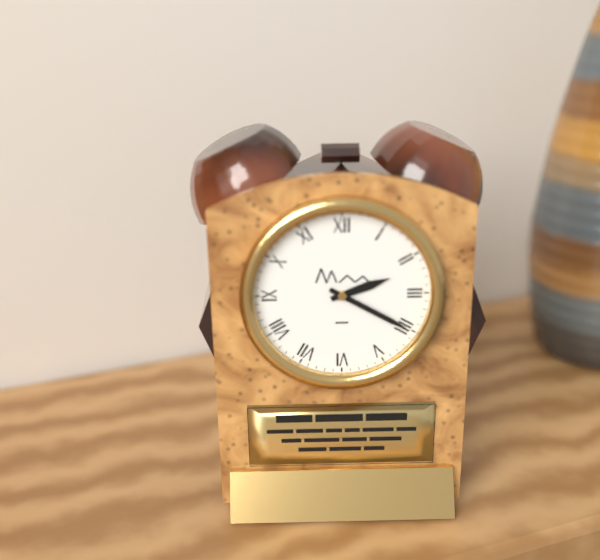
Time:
2:20
